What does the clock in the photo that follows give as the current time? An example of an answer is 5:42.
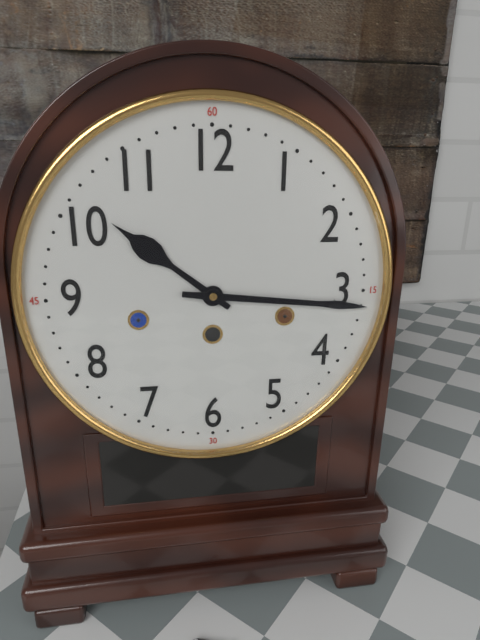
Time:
10:16
